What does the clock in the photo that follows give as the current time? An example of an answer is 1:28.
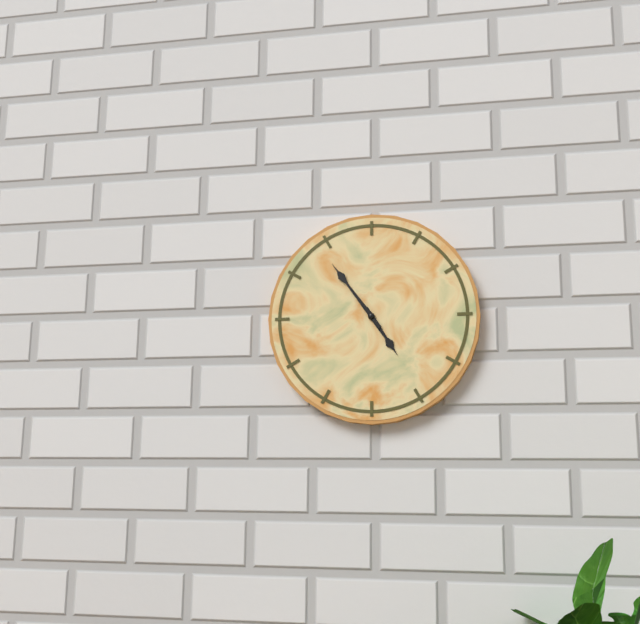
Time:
4:54
